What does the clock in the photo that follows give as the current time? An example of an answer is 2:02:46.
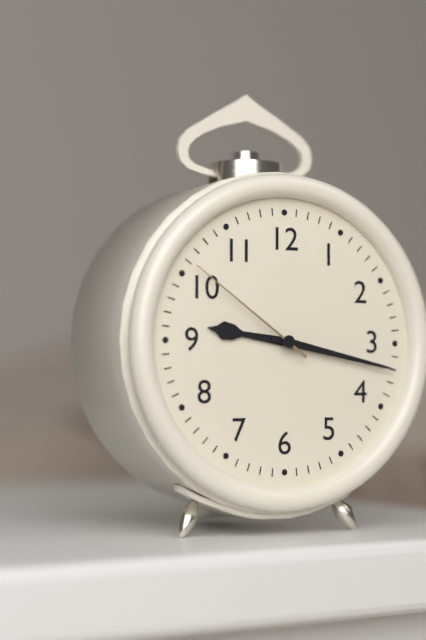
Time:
9:17:51
